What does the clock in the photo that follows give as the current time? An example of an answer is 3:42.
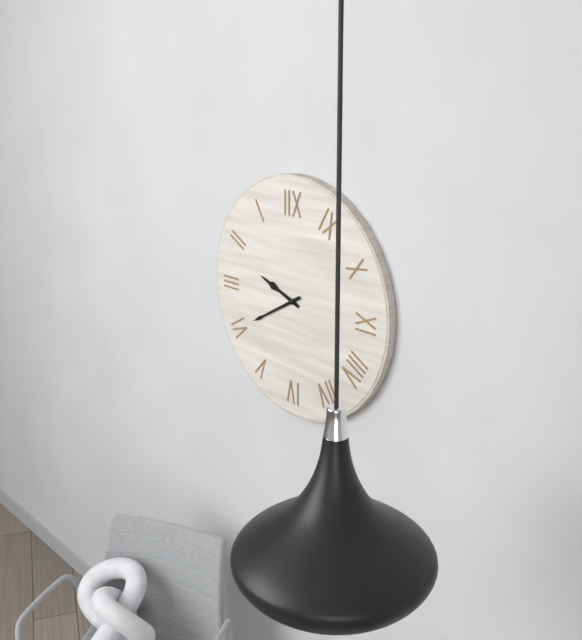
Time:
9:40
